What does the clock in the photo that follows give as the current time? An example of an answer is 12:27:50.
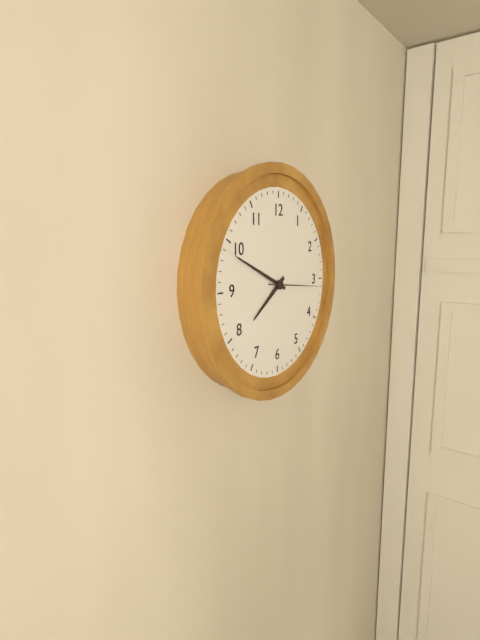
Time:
7:49:16
